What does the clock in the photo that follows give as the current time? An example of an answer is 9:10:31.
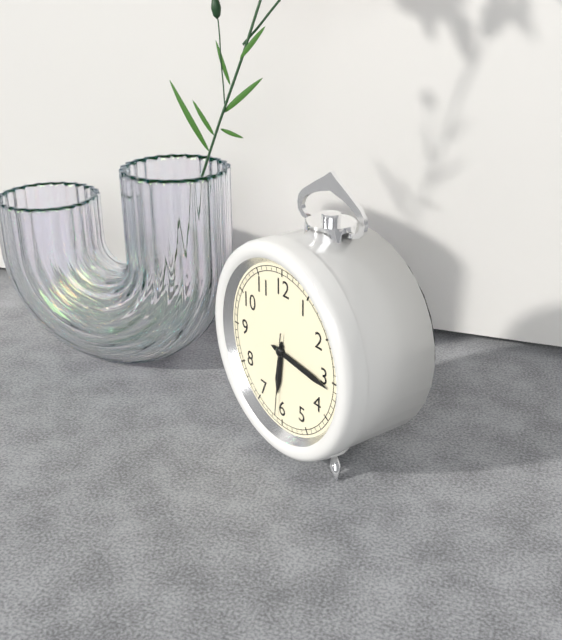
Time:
6:16:31
